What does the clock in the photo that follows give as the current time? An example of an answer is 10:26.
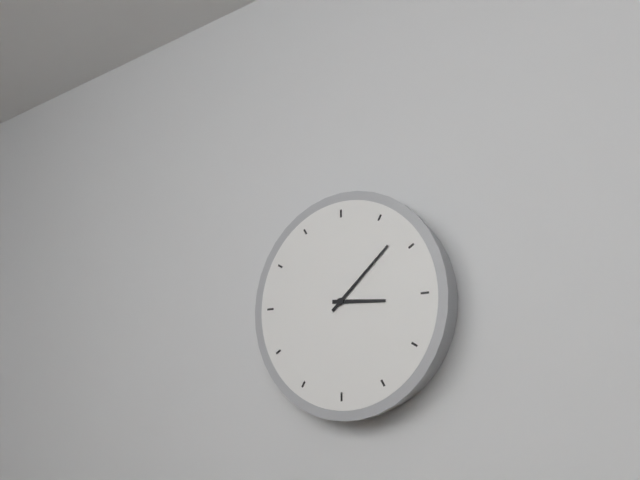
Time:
3:08
